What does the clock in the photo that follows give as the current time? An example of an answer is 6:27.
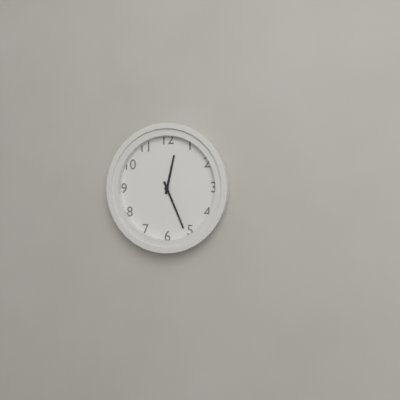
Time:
12:26
